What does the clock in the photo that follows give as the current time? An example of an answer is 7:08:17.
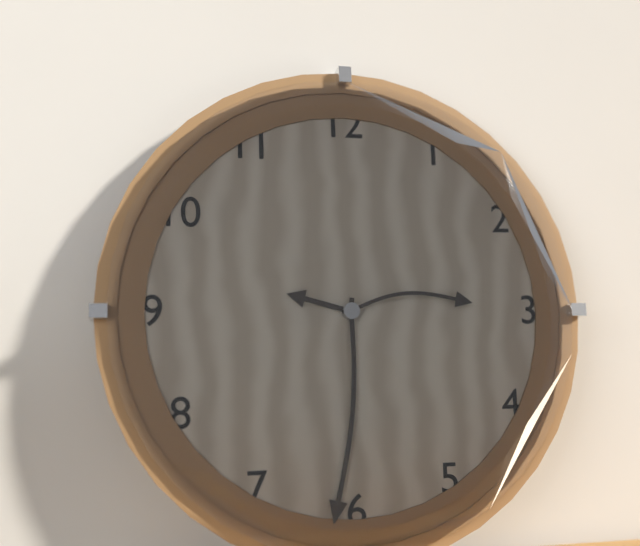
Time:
9:31:14
